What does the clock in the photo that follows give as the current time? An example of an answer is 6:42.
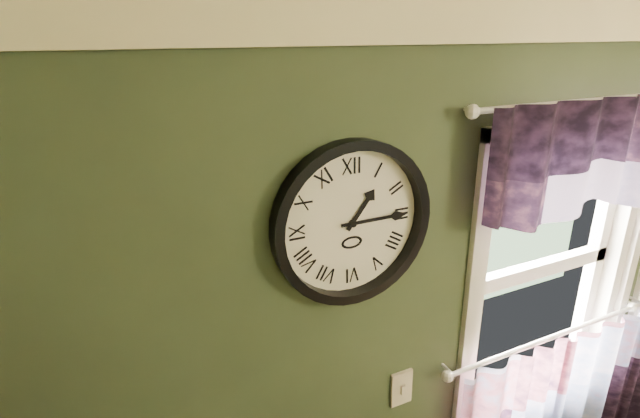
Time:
1:15
